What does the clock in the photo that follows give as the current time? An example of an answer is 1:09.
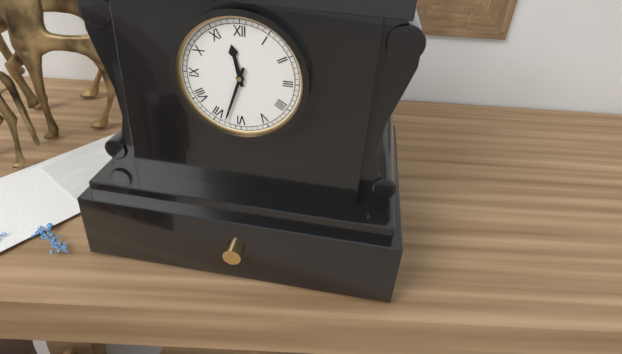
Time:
11:33
